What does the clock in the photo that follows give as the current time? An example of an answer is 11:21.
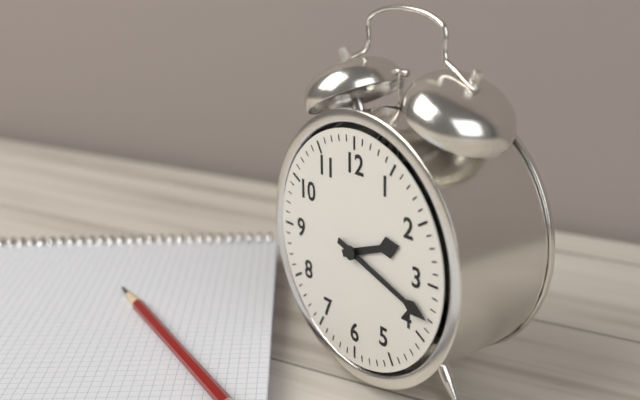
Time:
2:18
